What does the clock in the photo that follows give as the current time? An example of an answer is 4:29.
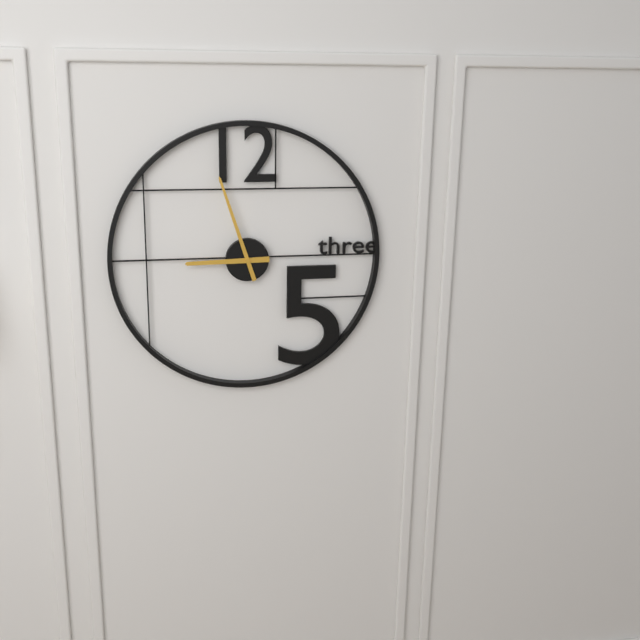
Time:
8:57
